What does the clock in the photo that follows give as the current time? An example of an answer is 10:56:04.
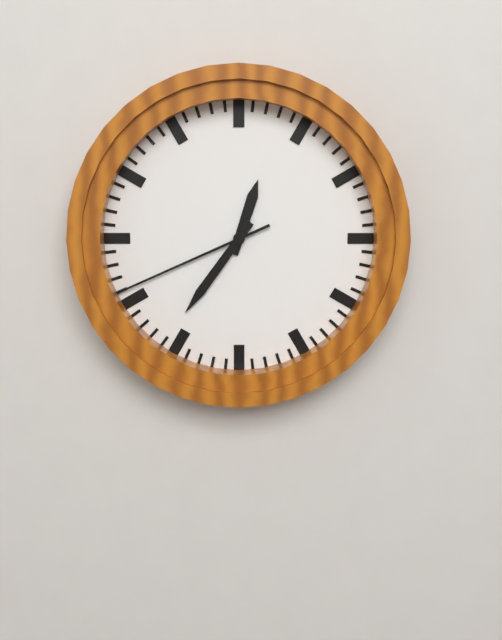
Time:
12:36:41
